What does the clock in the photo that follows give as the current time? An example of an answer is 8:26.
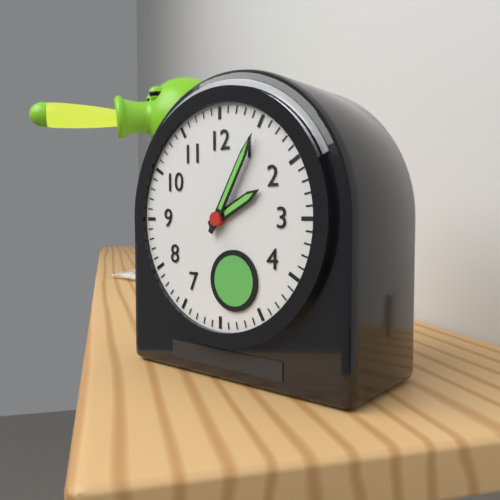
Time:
2:05
